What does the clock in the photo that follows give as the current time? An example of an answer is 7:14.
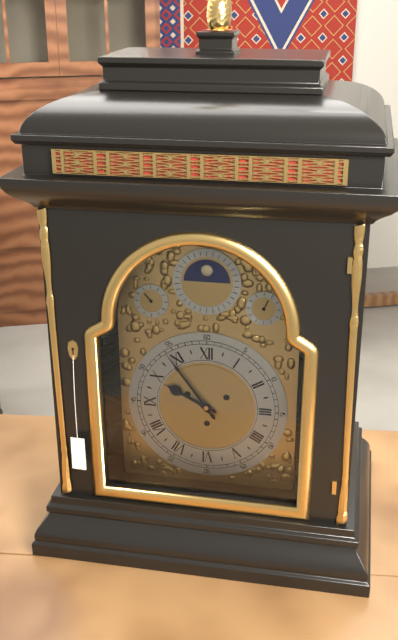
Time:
9:54
